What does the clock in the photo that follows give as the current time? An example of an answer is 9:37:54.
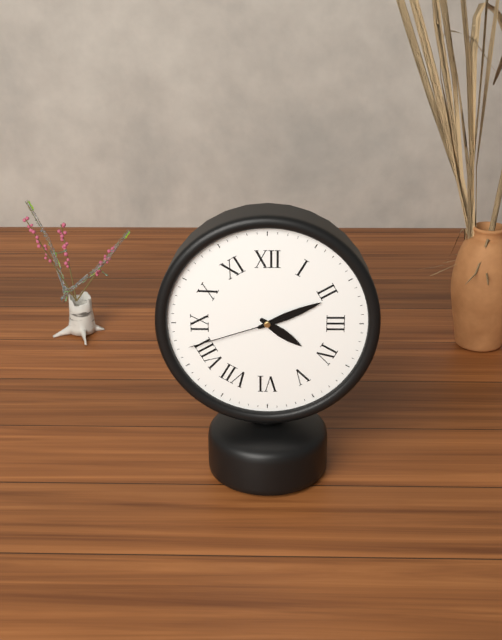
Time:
4:11:42
